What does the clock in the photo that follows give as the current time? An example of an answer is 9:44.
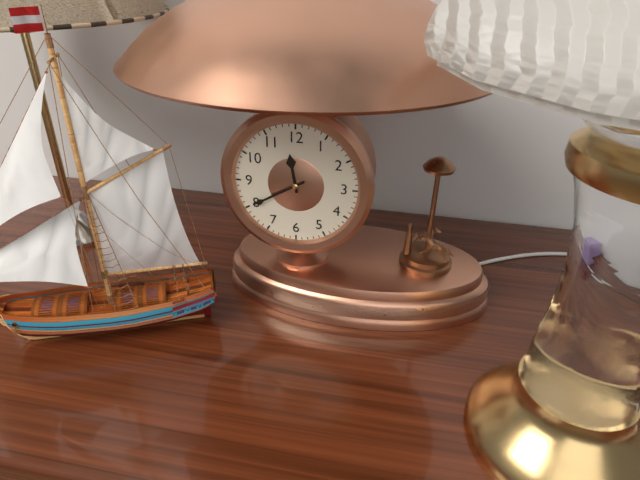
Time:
11:40
